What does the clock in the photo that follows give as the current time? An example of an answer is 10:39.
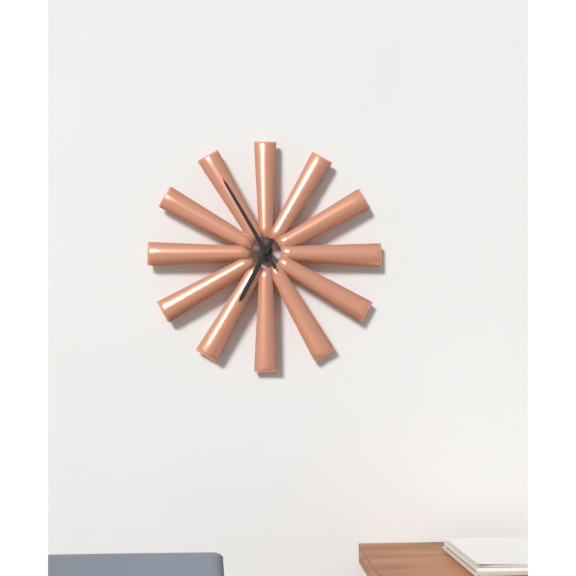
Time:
6:55
